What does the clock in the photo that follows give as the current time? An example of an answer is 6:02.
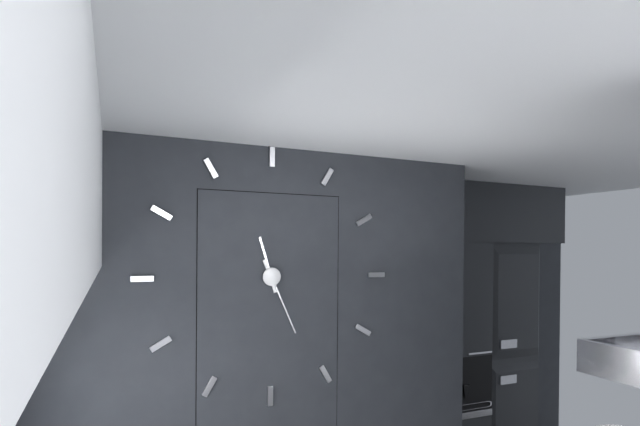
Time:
11:26
